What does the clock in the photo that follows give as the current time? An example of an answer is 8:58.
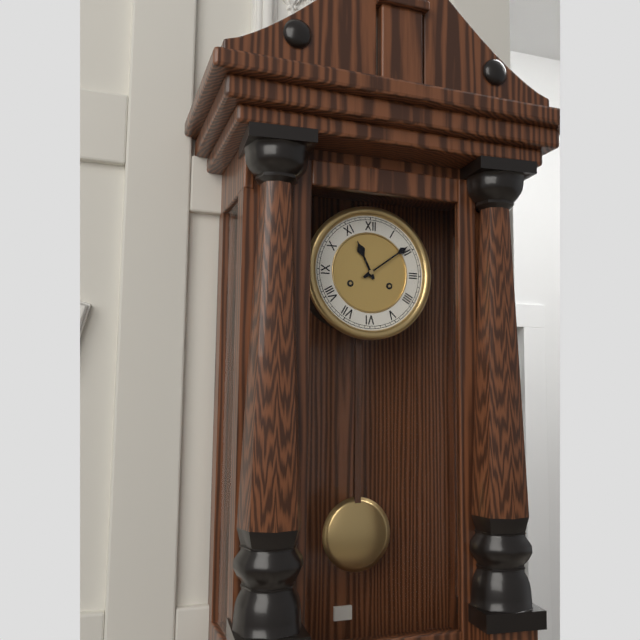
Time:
11:09
